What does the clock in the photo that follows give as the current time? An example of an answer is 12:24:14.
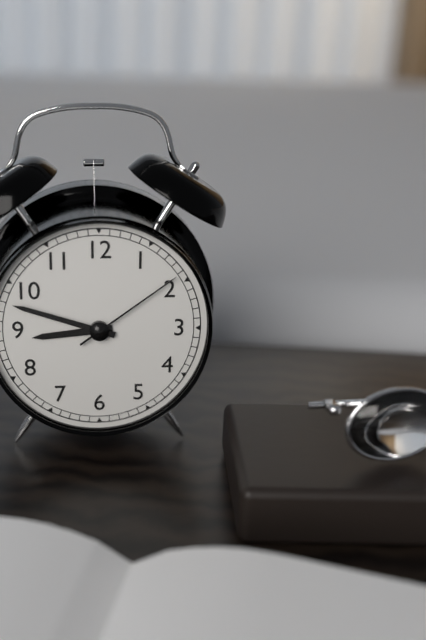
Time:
8:48:09
